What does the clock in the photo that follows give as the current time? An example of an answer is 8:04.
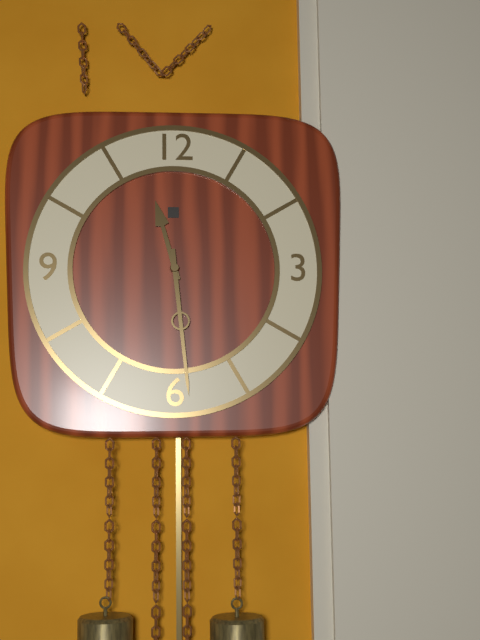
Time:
11:29
